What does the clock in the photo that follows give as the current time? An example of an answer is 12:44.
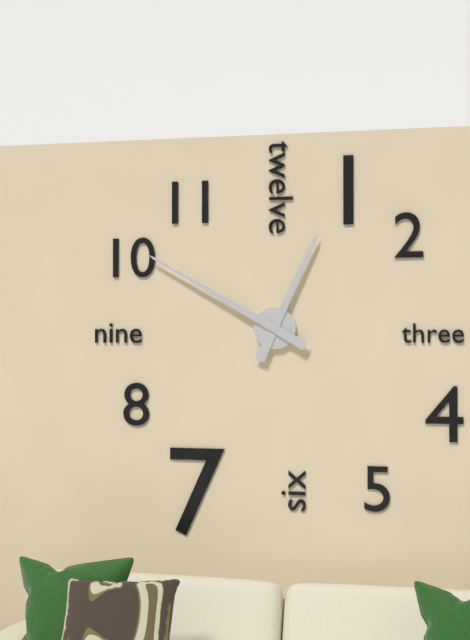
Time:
12:50
